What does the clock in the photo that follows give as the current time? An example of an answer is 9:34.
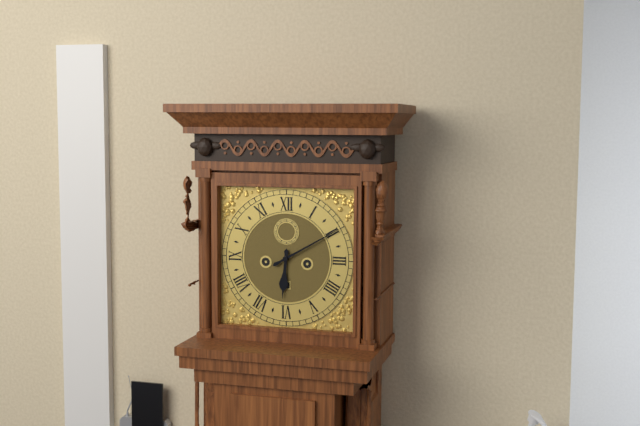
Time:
6:10
